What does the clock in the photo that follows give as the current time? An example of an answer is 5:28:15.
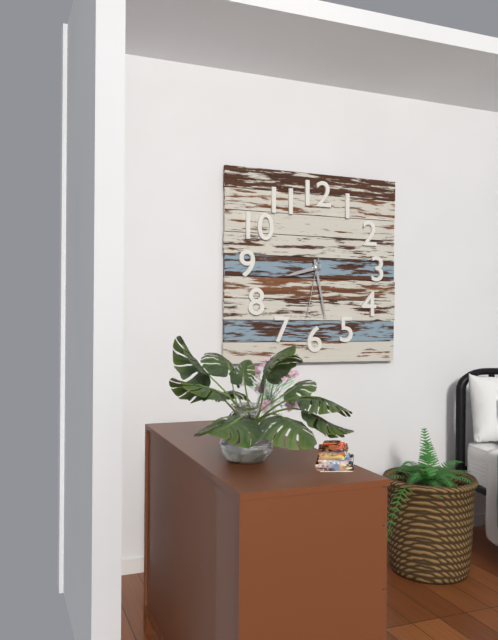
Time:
8:28:32
